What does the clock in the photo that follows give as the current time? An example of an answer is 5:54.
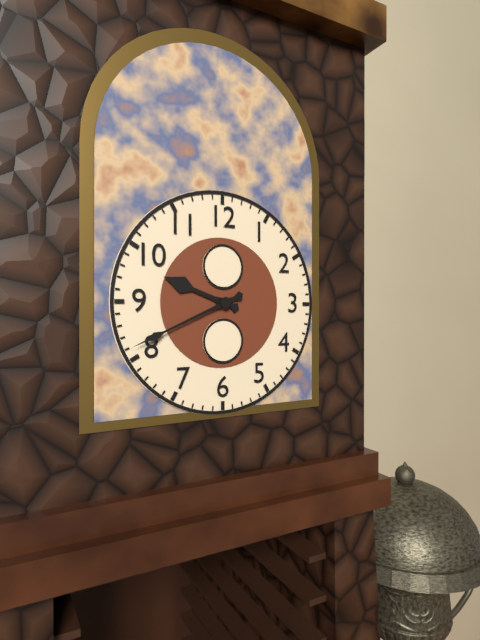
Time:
9:41
